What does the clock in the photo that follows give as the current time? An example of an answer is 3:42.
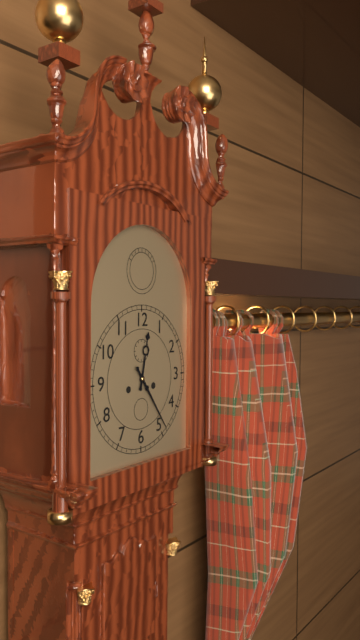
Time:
12:24
